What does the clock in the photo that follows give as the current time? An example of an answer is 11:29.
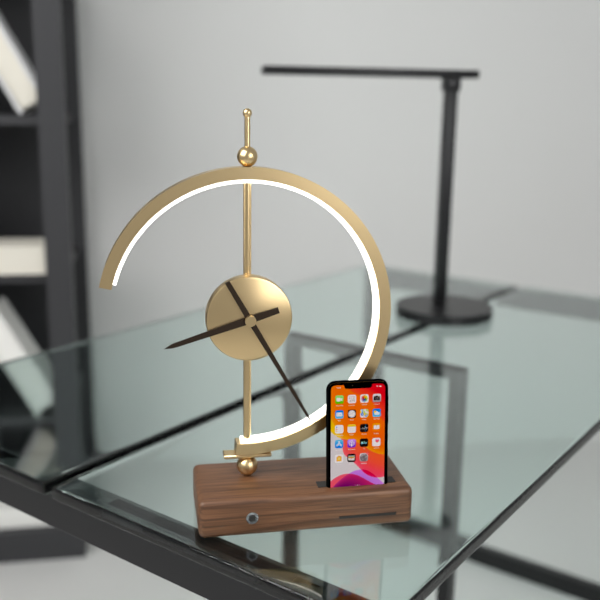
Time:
8:25
